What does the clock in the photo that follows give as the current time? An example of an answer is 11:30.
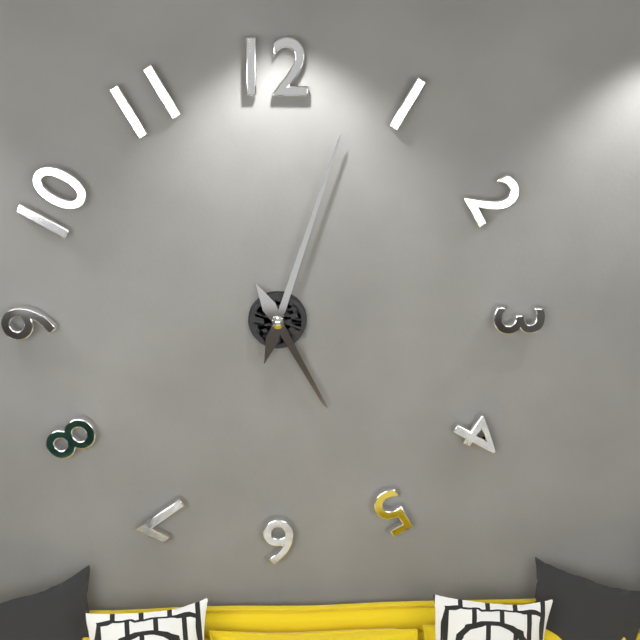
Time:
5:03
